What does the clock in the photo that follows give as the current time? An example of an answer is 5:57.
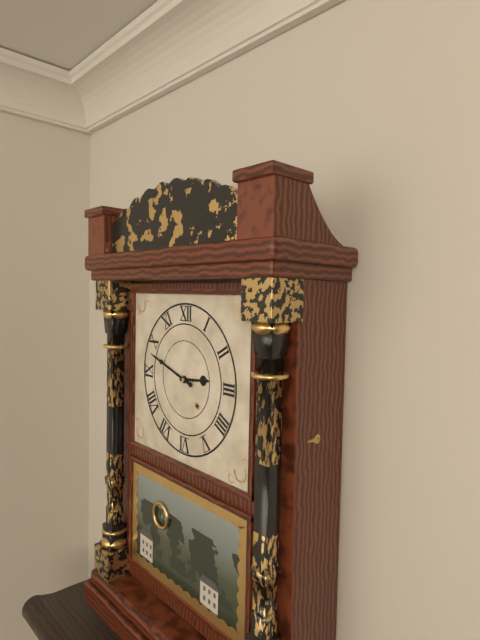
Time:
2:48
